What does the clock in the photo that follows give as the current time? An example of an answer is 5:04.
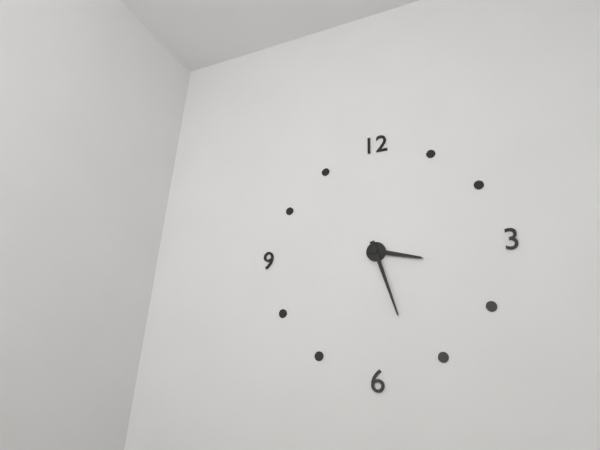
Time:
3:27
